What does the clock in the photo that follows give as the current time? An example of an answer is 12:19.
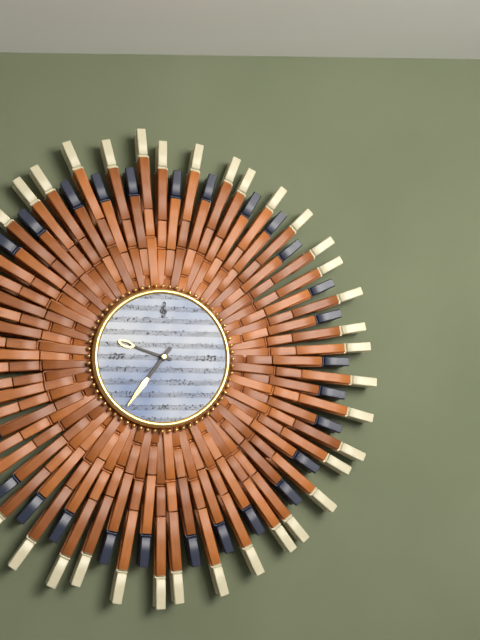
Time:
9:36
